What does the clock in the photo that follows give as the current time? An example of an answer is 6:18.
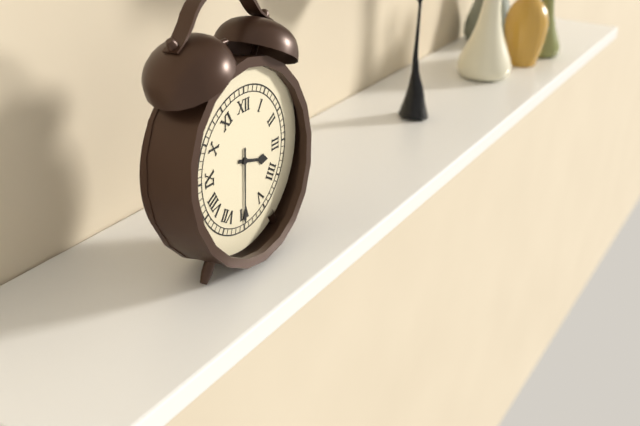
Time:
3:30
